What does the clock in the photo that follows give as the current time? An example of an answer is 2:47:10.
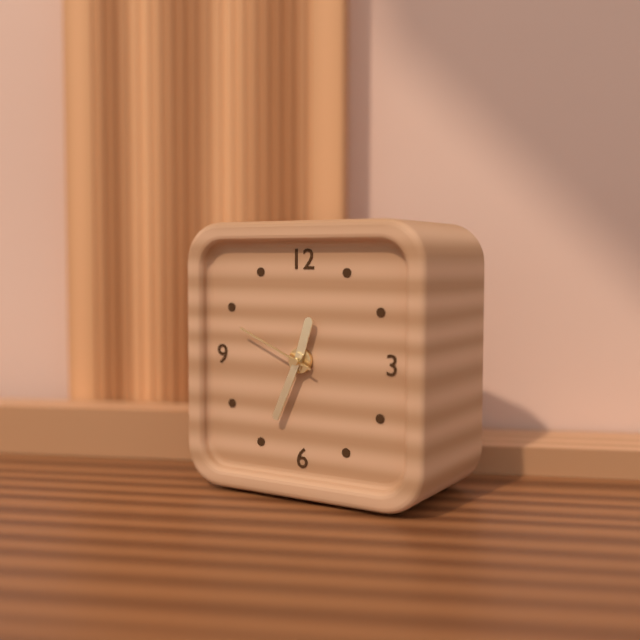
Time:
12:34:49
